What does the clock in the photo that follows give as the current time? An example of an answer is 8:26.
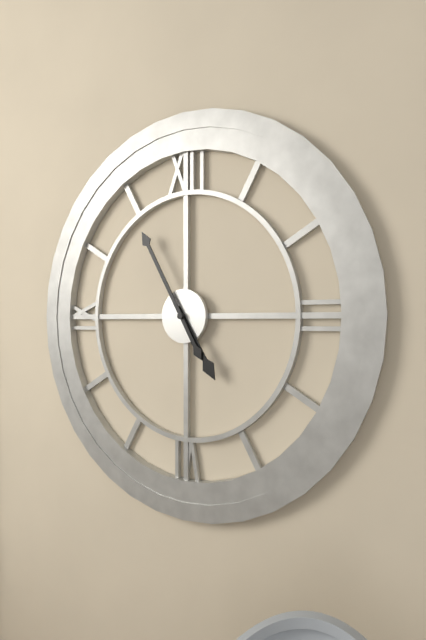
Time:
4:55
